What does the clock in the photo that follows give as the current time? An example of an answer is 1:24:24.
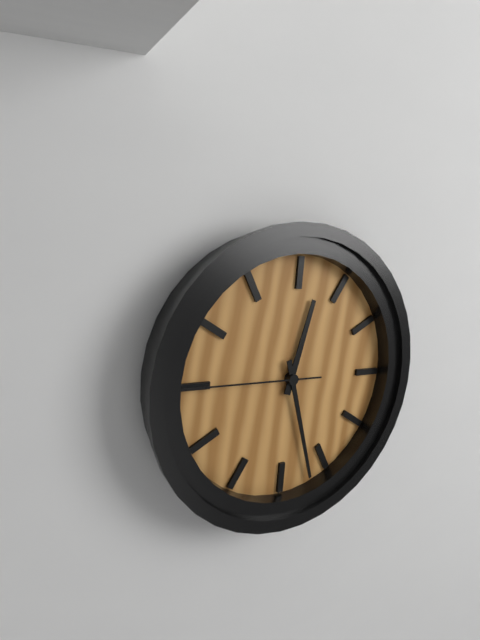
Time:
12:27:45
